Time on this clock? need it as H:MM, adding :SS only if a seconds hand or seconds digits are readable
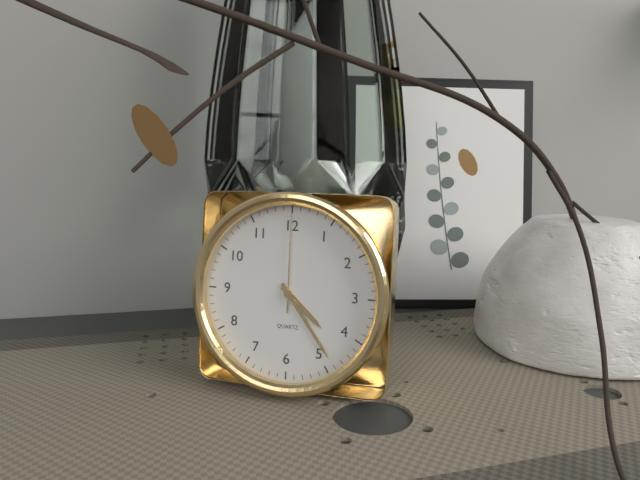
4:24:00
